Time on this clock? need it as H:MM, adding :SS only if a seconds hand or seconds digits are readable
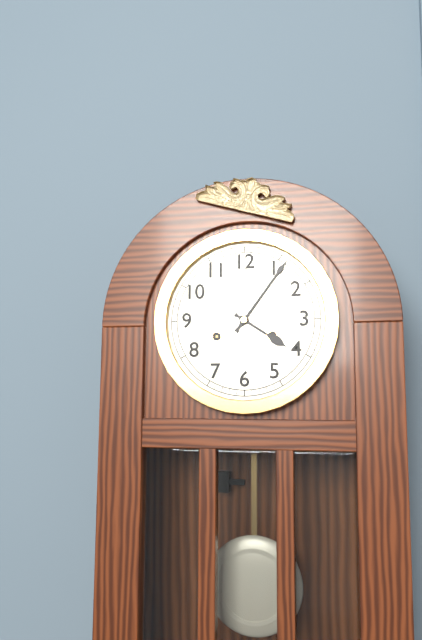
4:06
